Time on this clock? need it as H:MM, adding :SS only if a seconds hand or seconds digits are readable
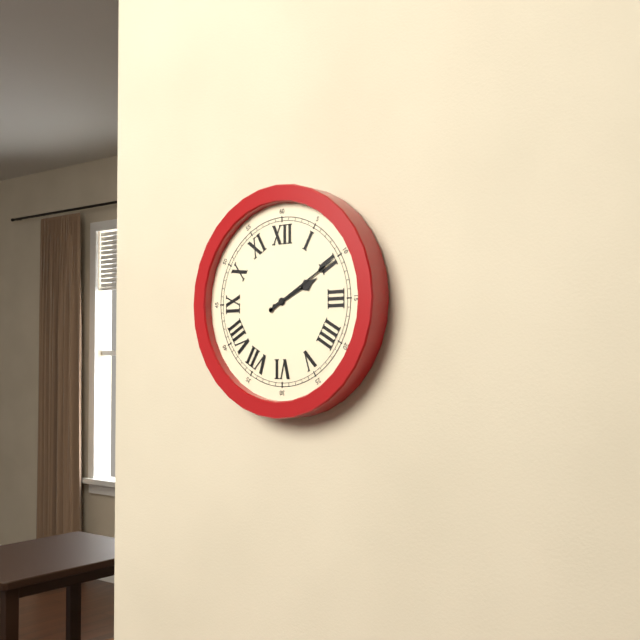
2:10
